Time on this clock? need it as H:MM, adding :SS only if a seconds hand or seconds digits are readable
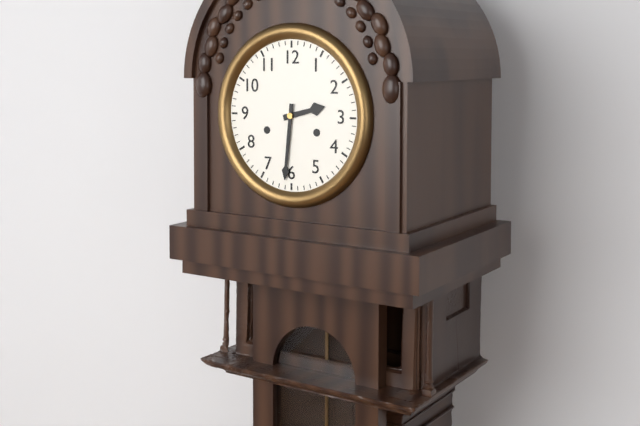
2:31
